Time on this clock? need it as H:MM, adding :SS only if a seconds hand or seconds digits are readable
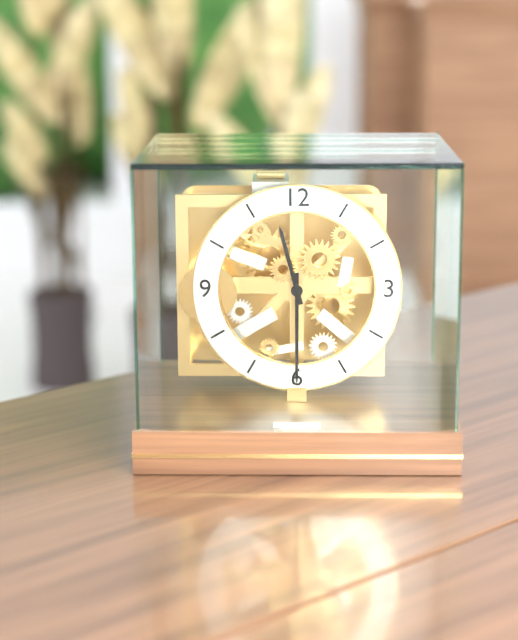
11:30
